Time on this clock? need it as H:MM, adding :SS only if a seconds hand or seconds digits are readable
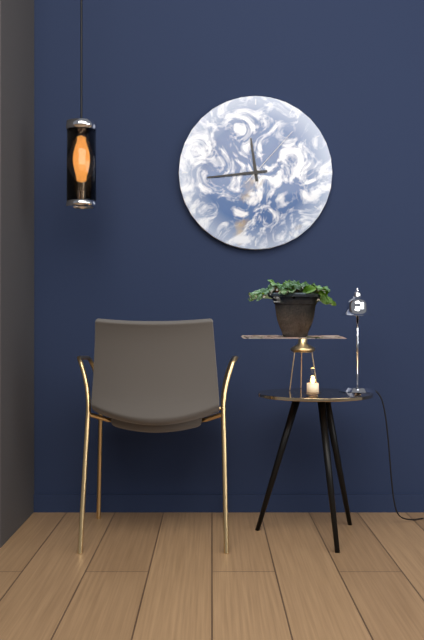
11:44:07
